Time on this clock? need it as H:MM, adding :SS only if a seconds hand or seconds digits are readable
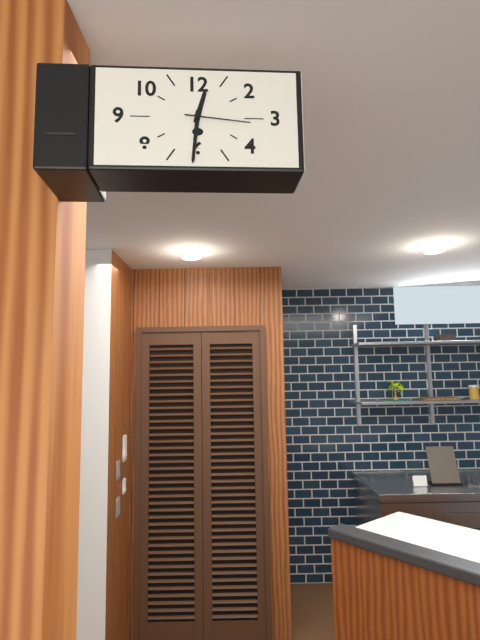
12:31:16
